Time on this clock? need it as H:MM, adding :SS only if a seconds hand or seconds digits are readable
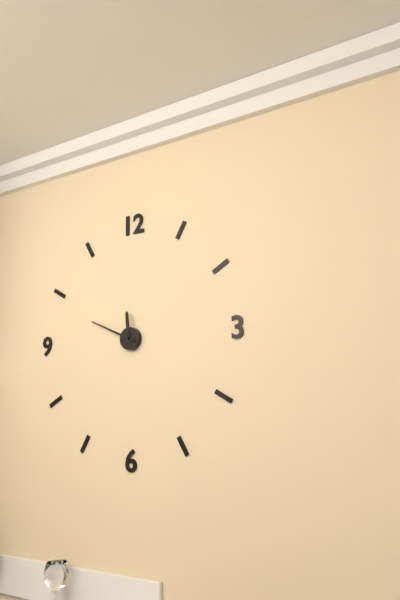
11:49
